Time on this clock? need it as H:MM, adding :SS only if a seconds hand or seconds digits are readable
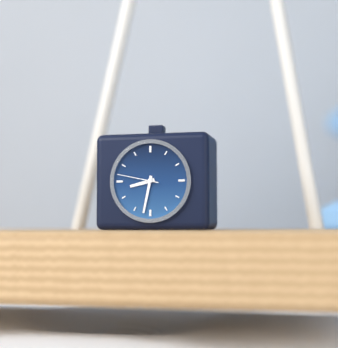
8:32
